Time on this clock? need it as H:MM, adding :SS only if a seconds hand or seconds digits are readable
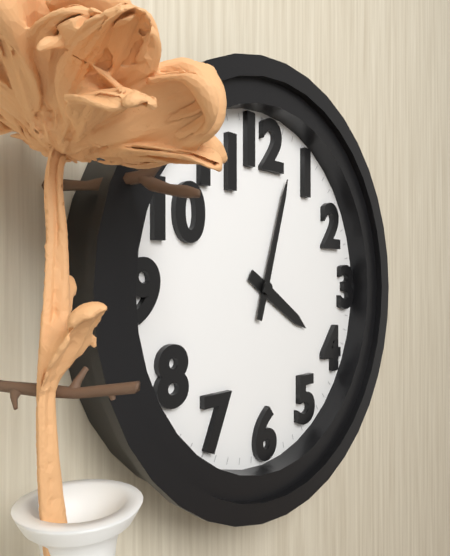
4:03
